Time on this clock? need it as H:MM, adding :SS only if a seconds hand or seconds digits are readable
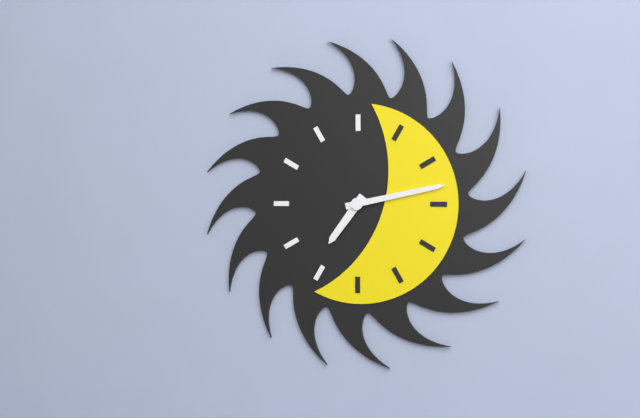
7:13
